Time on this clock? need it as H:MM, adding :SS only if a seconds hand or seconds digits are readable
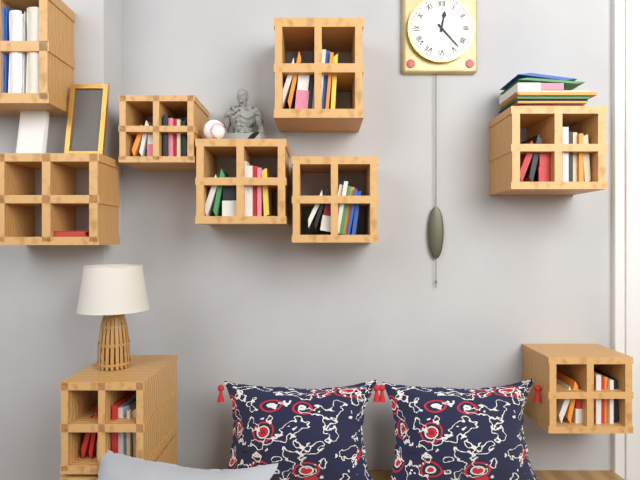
12:23
